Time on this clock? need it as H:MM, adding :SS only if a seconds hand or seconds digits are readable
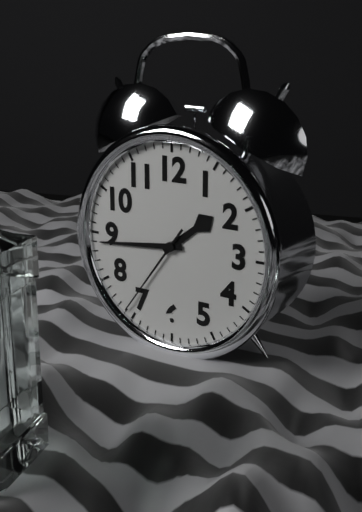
1:44:36
